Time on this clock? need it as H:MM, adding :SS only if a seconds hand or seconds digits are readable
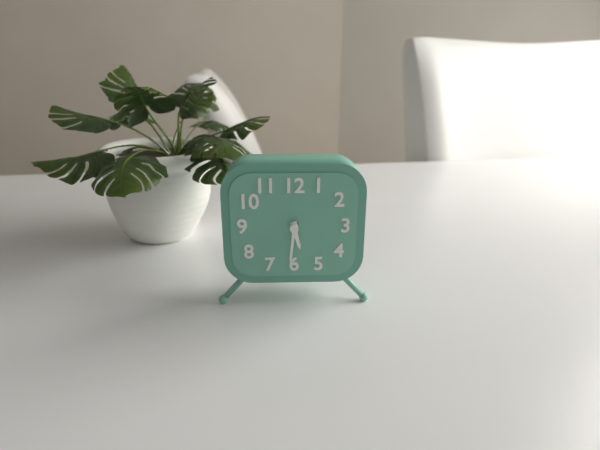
5:31
